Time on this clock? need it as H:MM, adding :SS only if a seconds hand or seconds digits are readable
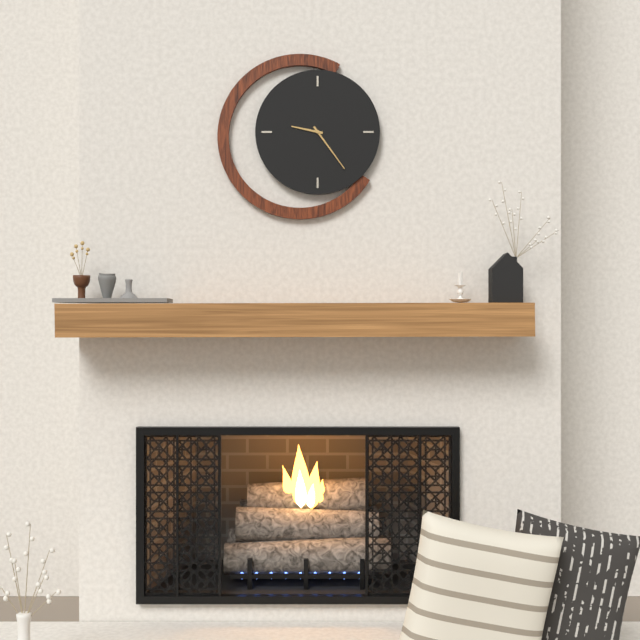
9:24
